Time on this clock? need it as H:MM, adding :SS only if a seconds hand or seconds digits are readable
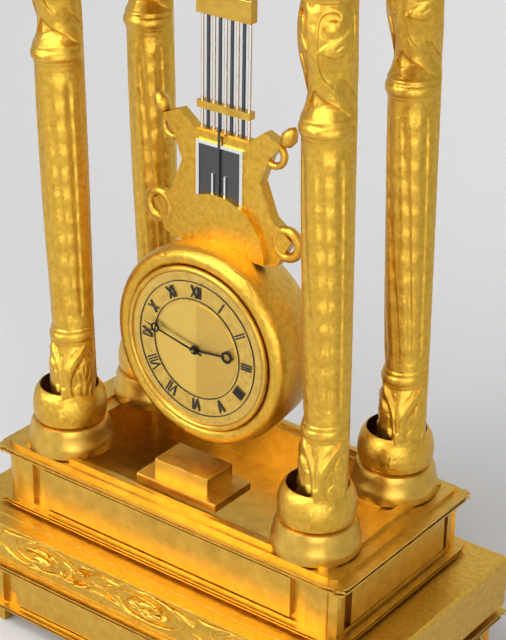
2:47
